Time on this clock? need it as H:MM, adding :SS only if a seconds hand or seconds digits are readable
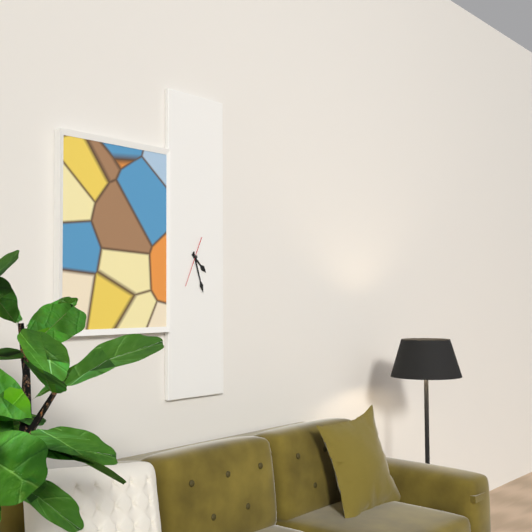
4:27
